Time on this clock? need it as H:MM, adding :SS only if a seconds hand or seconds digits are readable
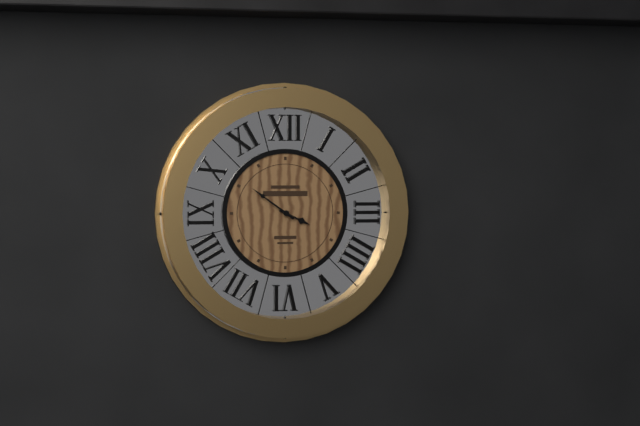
3:51
